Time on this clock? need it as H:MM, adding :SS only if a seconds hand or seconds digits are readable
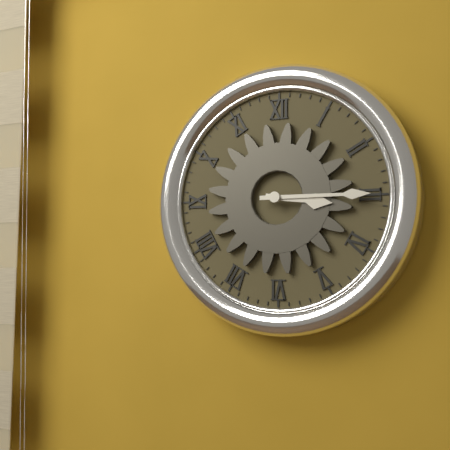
3:15
